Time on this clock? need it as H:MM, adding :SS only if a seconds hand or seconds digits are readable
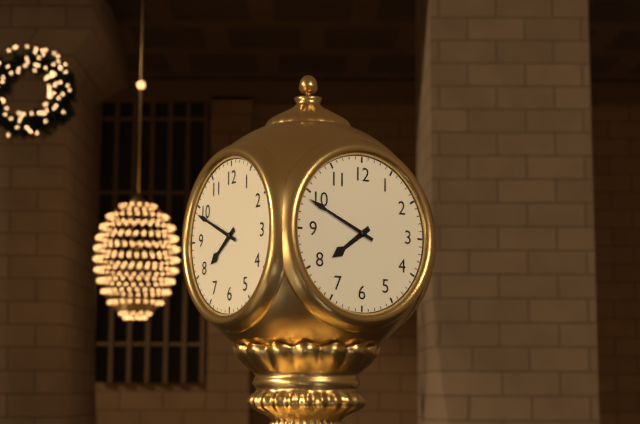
7:49
